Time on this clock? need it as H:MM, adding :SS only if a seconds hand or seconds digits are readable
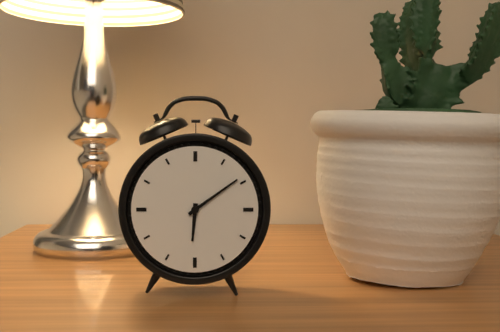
6:09
